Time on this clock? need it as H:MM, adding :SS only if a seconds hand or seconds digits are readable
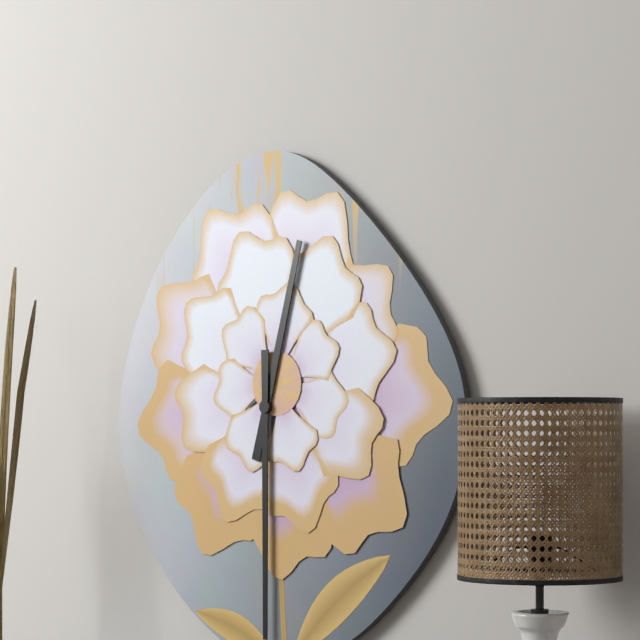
12:30
